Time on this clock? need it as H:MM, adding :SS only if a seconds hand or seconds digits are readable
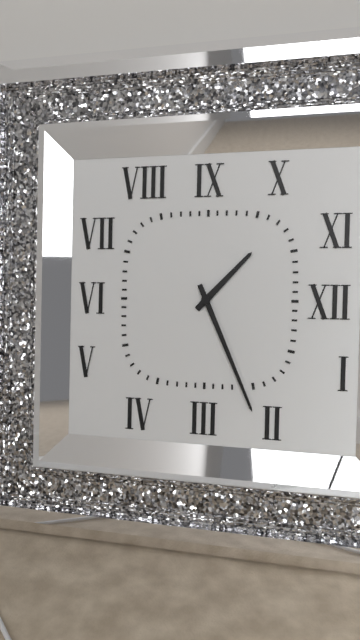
1:26
